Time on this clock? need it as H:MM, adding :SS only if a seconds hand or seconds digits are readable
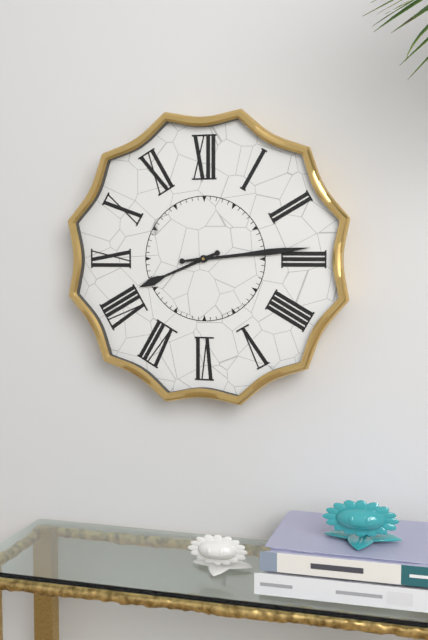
8:14
